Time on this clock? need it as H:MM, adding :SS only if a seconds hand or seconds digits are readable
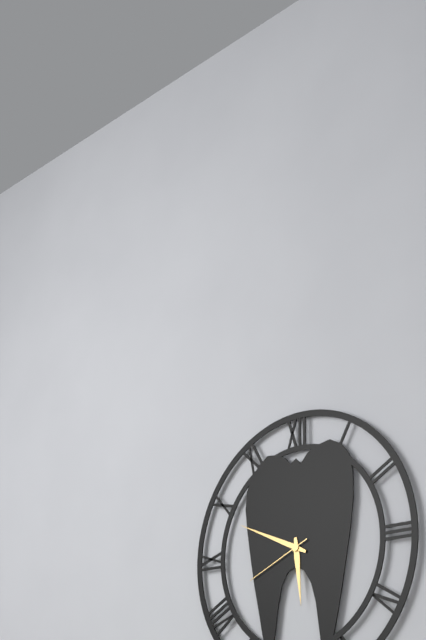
5:49:41
